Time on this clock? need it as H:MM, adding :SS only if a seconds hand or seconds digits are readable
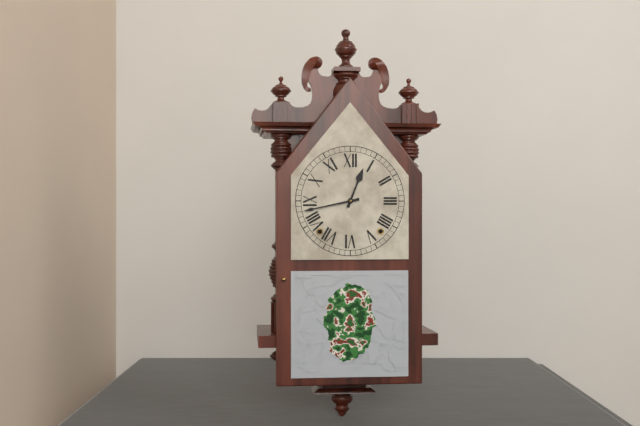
12:43
